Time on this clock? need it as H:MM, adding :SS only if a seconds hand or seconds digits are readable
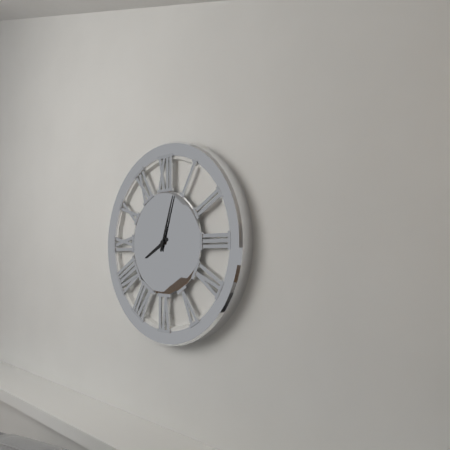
8:03
